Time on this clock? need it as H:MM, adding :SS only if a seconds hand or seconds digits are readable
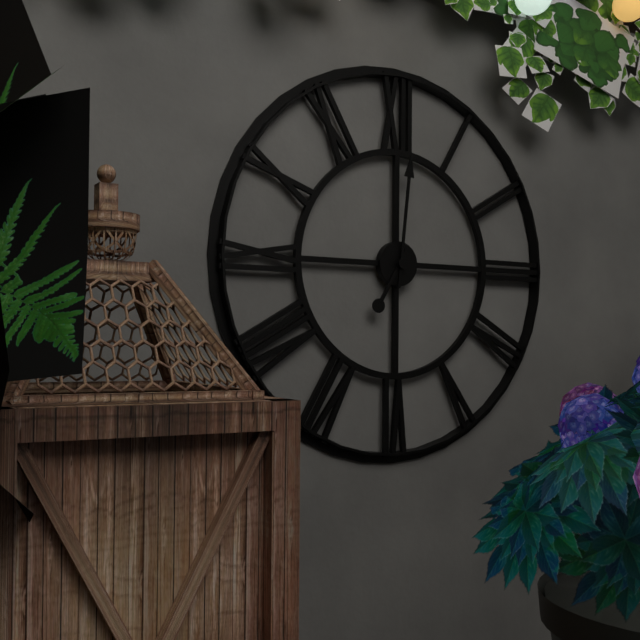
7:01
